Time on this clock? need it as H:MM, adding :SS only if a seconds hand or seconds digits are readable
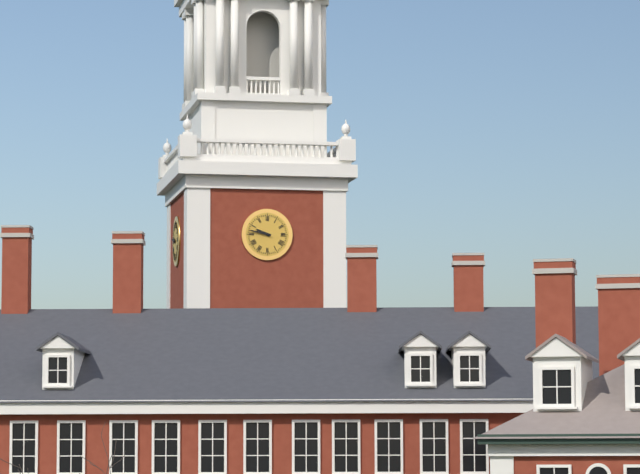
9:47
